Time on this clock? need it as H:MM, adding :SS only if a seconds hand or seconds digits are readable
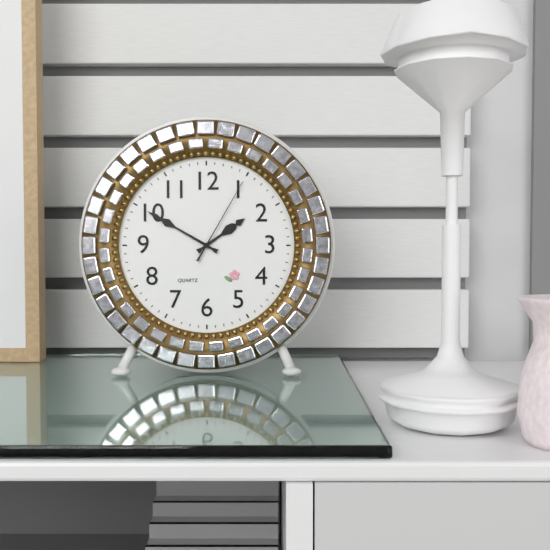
1:50:05
